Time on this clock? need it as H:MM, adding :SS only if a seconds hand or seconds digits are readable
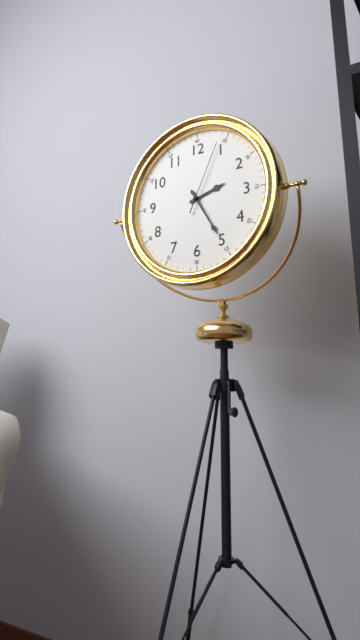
2:25:04
